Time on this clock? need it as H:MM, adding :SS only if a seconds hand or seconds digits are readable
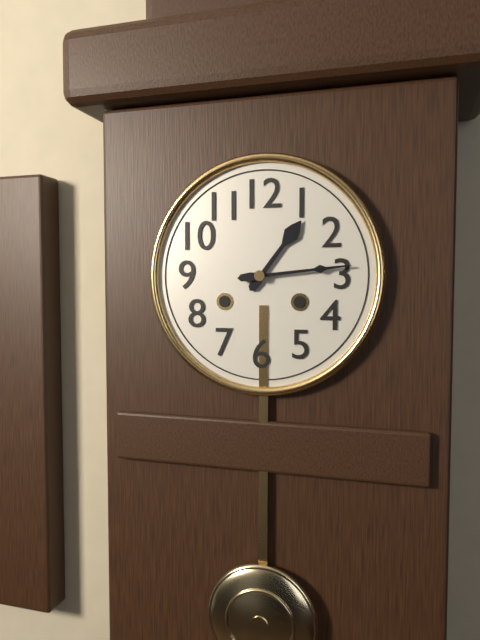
1:14
